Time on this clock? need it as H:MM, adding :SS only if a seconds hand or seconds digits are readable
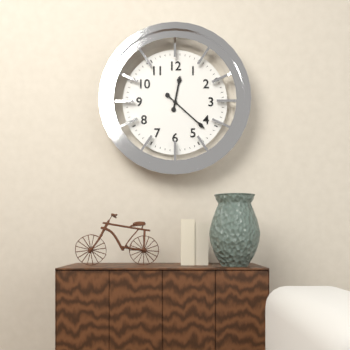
12:22
